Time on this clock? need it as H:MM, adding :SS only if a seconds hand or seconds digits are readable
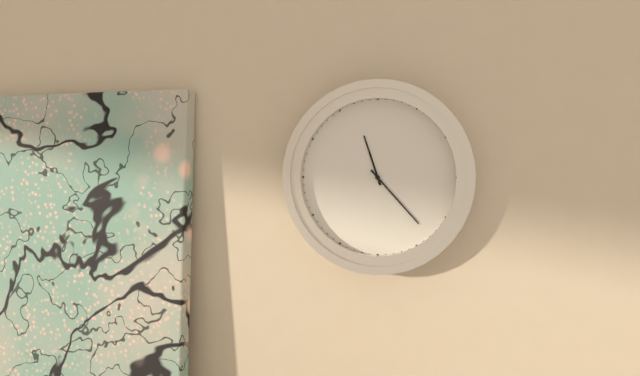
11:23
